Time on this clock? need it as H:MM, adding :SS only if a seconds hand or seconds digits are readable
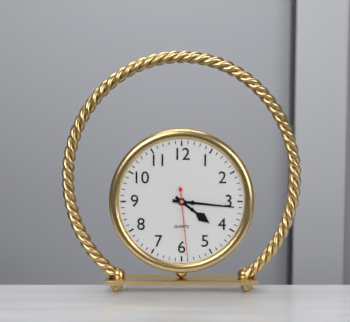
4:16:29
